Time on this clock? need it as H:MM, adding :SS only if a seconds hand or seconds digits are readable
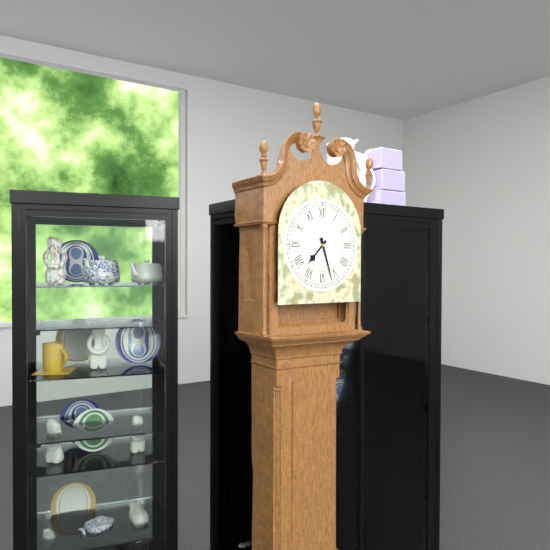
7:27
